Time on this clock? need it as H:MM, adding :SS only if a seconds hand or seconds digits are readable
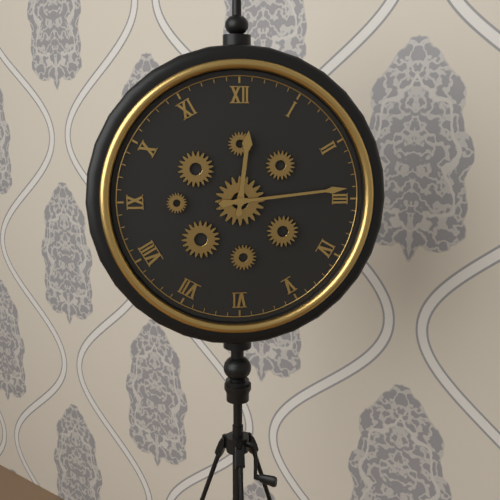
12:14
